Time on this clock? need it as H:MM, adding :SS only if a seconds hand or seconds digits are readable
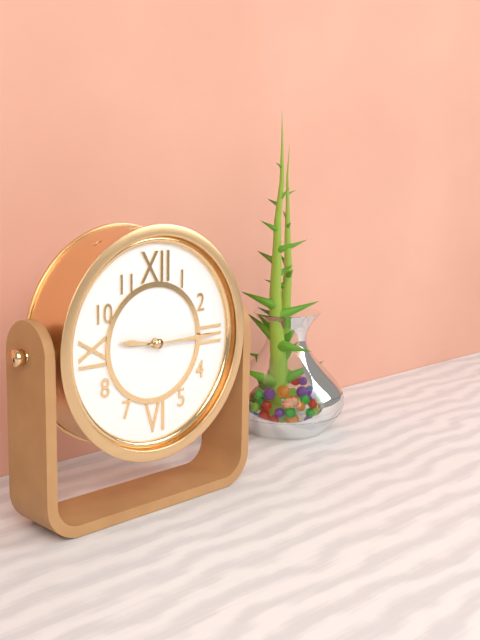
9:15
